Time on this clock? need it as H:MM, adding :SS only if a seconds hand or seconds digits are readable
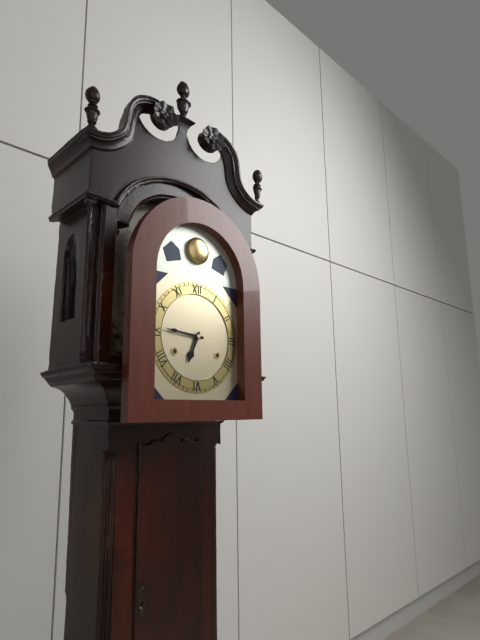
6:46
